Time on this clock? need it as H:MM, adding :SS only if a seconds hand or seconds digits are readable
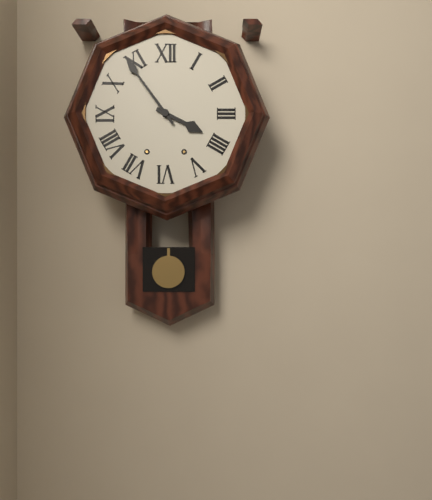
3:54
